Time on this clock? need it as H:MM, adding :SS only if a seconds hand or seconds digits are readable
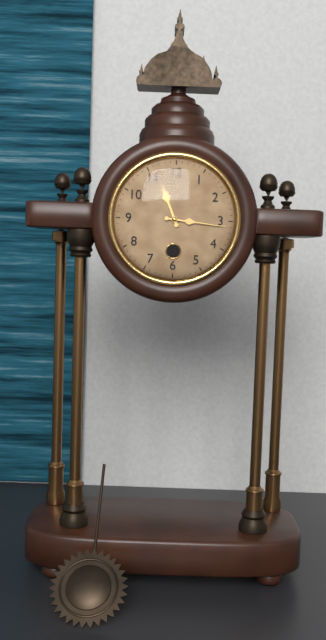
11:16
